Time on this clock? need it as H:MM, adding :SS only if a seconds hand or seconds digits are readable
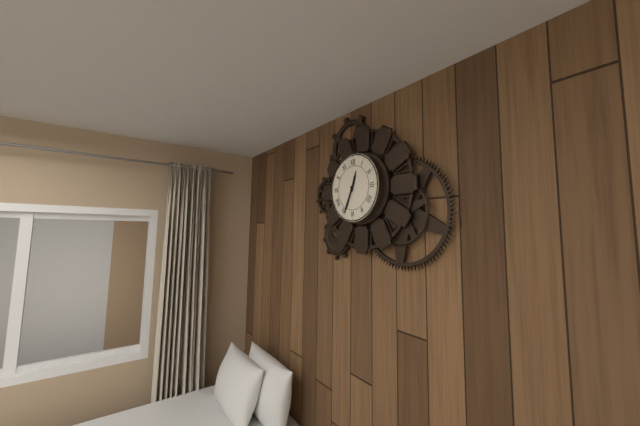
12:34
